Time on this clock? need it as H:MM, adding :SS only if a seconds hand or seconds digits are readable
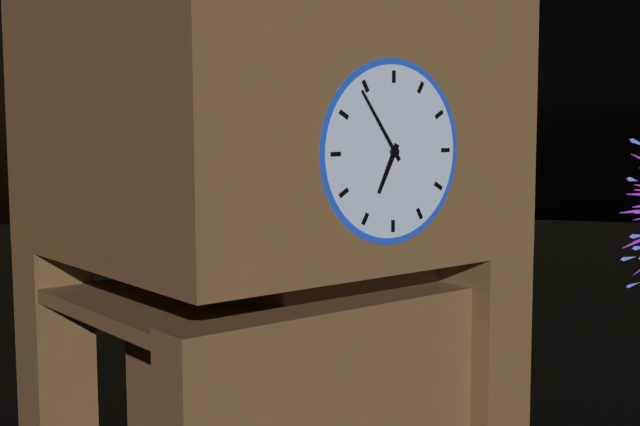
6:54
